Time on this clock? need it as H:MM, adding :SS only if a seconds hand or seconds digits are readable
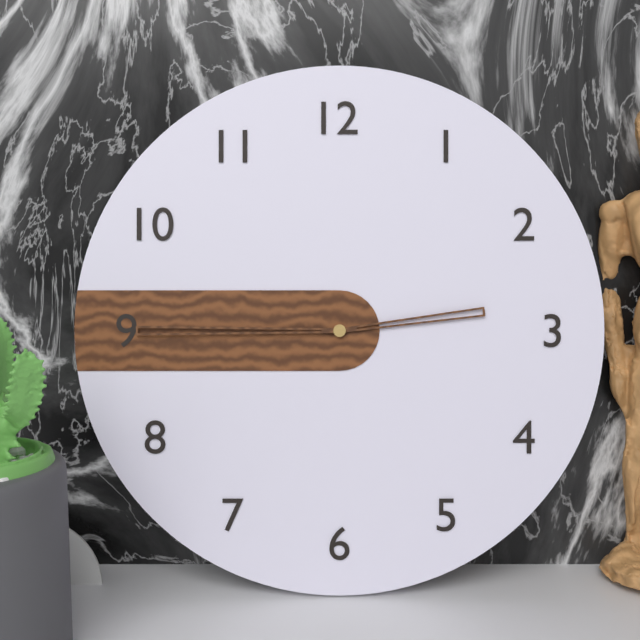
2:45
